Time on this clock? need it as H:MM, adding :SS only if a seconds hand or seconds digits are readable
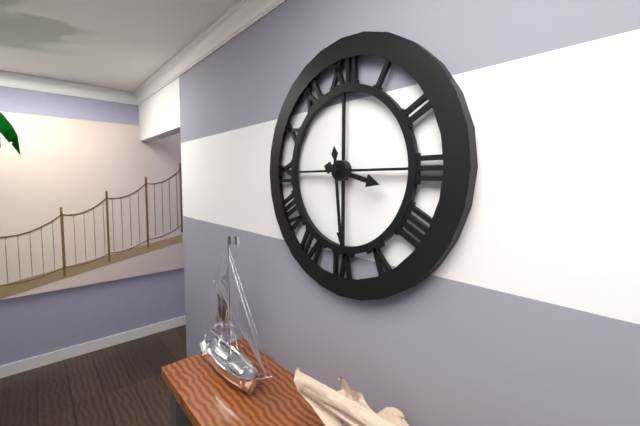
3:29
